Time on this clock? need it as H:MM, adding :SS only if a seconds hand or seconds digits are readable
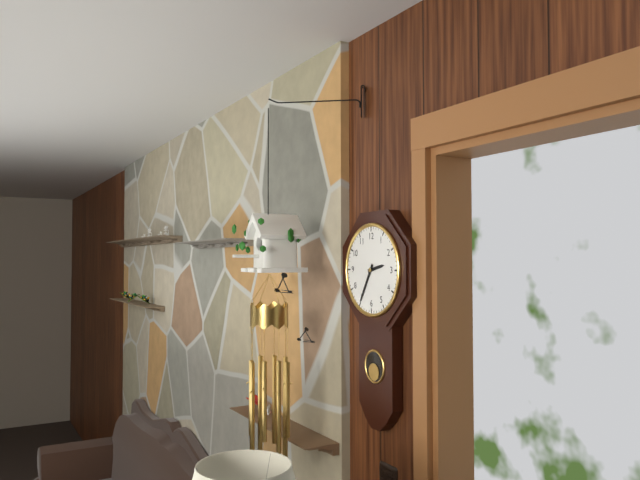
2:35
